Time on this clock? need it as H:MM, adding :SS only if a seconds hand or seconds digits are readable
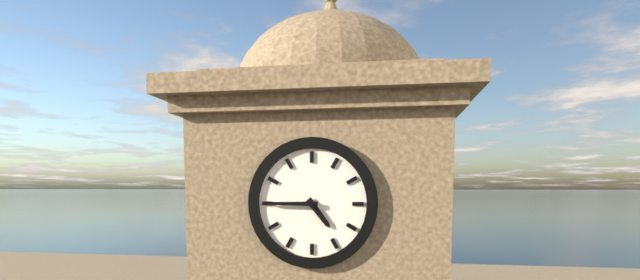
4:45
